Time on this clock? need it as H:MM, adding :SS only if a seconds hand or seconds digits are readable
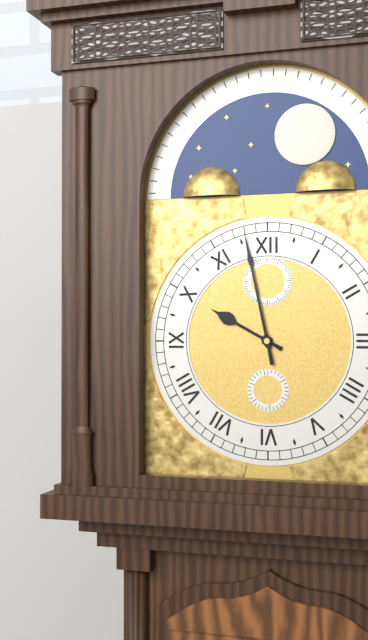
9:58
